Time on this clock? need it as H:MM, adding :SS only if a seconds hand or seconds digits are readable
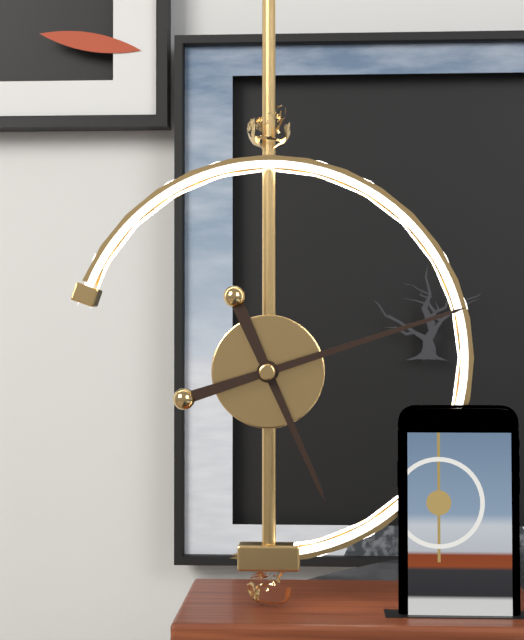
5:12
